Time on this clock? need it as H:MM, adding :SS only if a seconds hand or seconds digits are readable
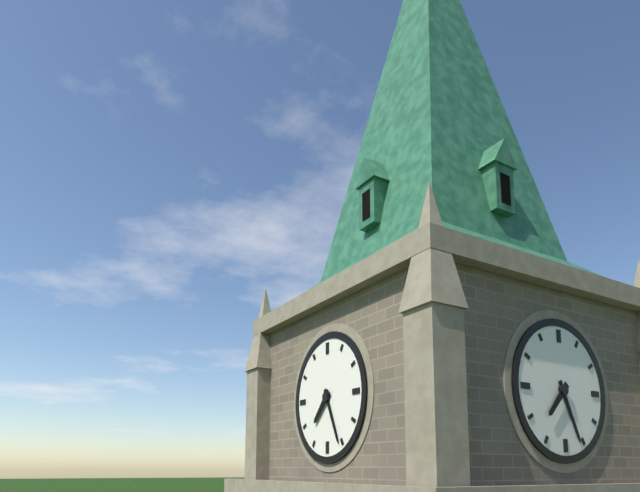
7:26
